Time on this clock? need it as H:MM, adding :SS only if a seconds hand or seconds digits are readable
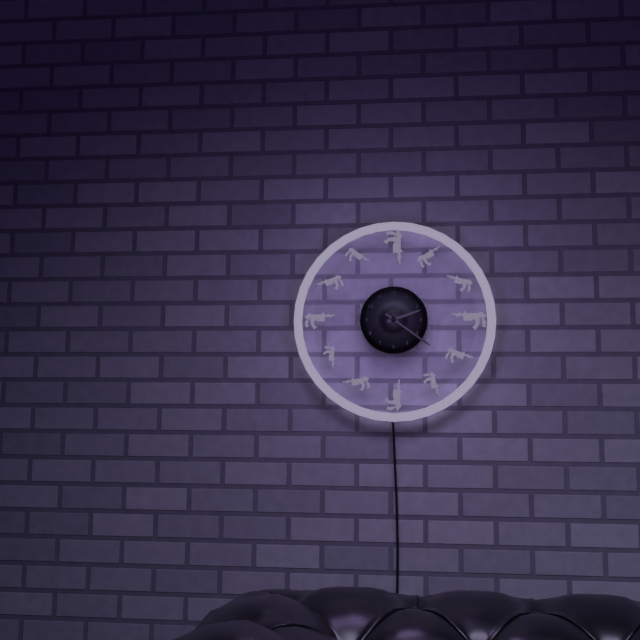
2:21
